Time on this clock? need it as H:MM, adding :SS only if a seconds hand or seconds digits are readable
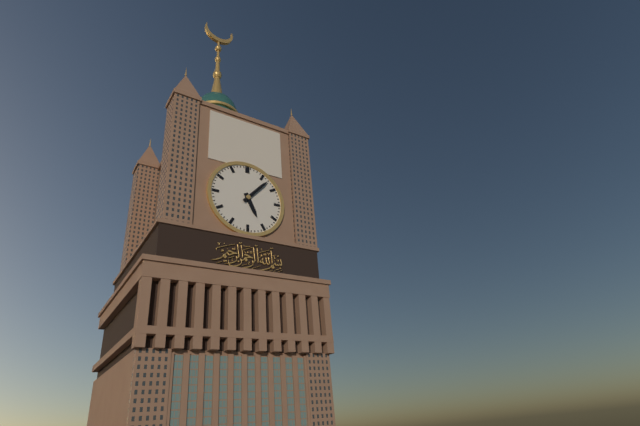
5:07
